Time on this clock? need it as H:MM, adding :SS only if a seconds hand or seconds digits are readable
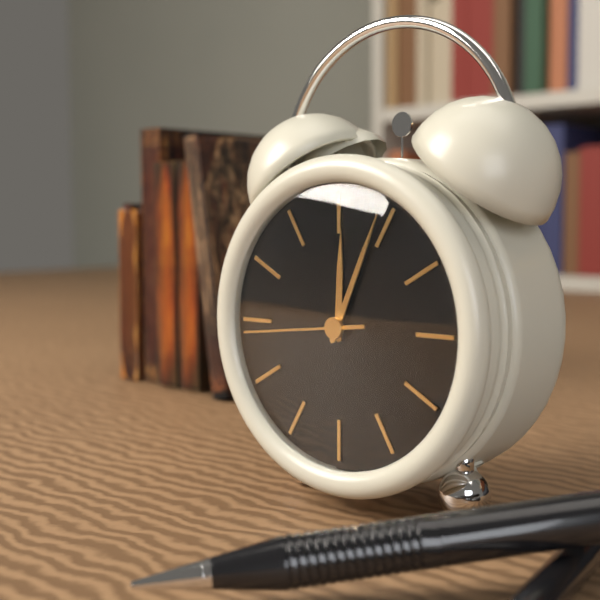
12:04:44
